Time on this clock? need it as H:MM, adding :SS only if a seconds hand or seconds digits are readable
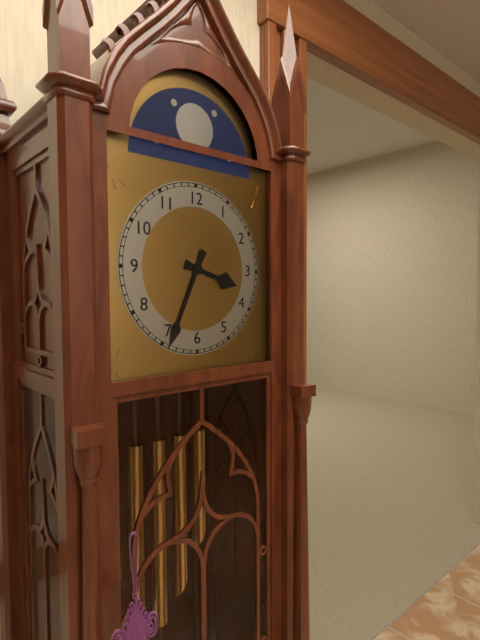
3:34
